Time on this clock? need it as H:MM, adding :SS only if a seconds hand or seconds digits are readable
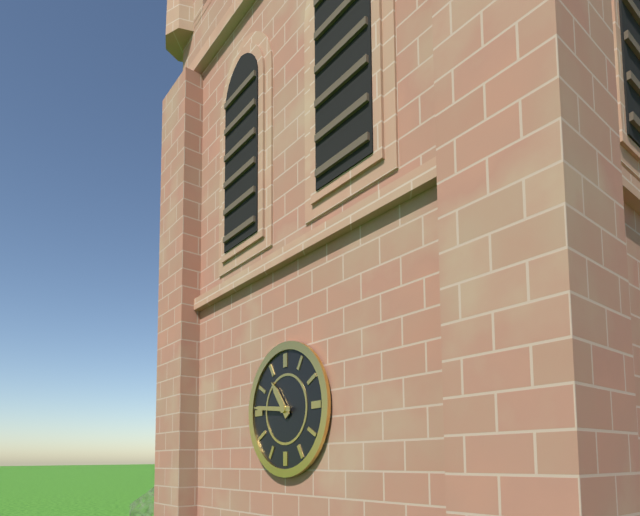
10:46
